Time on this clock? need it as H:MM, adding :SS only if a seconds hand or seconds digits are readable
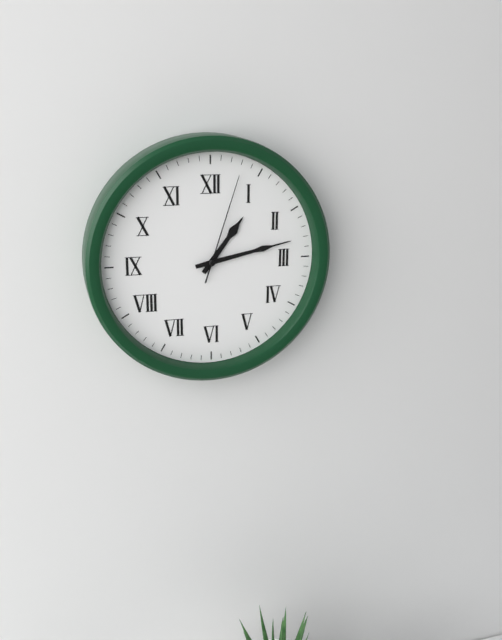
1:13:03
